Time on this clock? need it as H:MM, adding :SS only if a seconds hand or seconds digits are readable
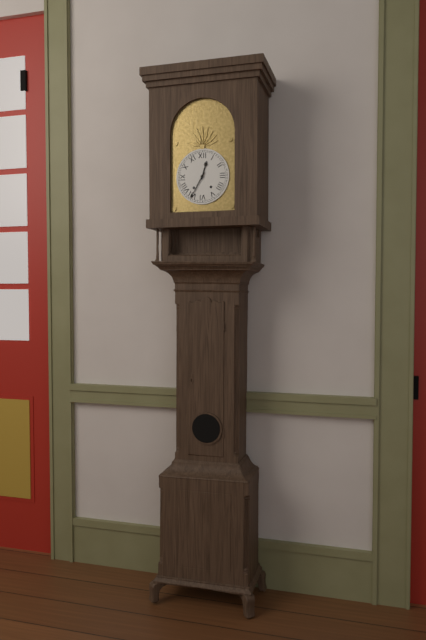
12:35
